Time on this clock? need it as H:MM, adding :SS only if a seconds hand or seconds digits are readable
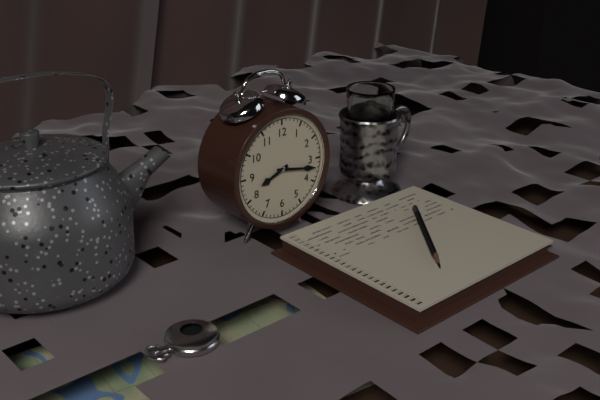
8:17
